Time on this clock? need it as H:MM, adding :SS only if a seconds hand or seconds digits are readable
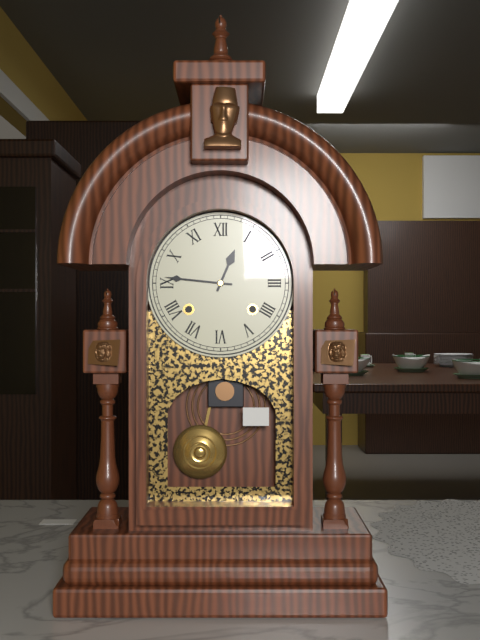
12:46
